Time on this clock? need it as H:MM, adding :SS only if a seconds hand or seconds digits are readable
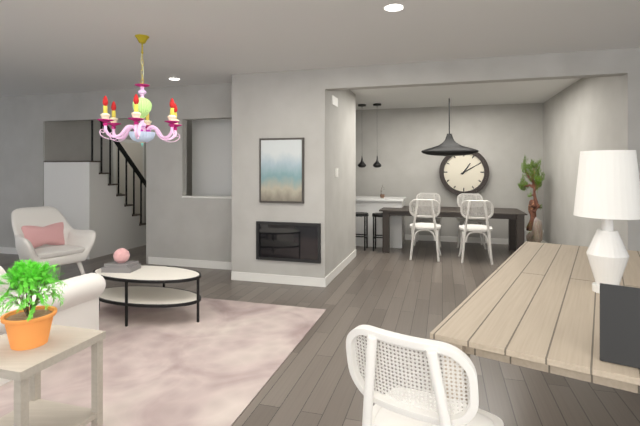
1:10
